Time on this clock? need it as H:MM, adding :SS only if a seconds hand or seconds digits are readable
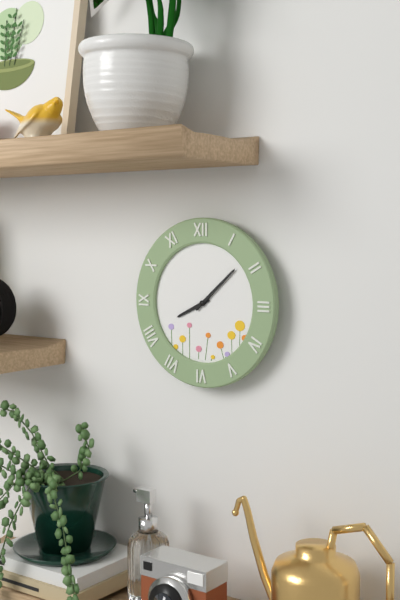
8:08
